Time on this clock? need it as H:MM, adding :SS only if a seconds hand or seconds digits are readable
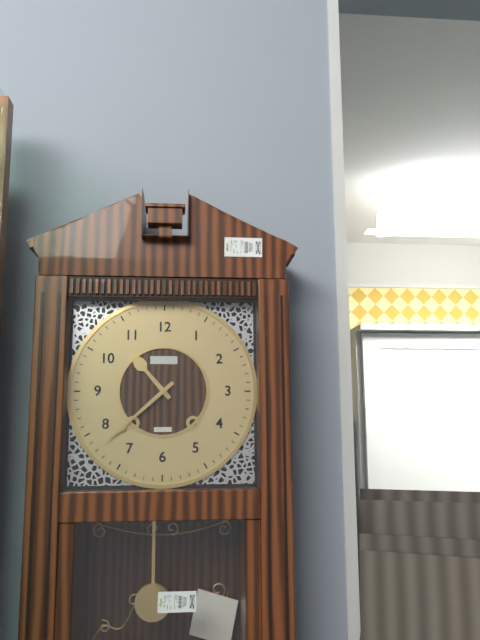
10:38
